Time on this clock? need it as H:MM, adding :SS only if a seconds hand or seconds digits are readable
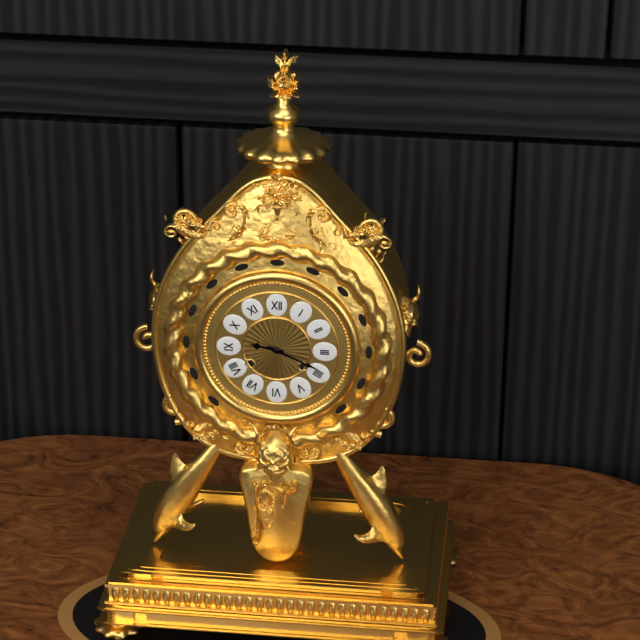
9:19
